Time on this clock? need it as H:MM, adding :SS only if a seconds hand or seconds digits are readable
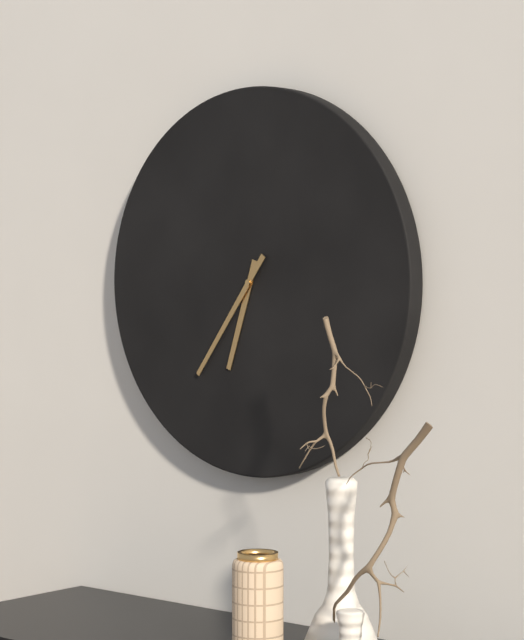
6:36
